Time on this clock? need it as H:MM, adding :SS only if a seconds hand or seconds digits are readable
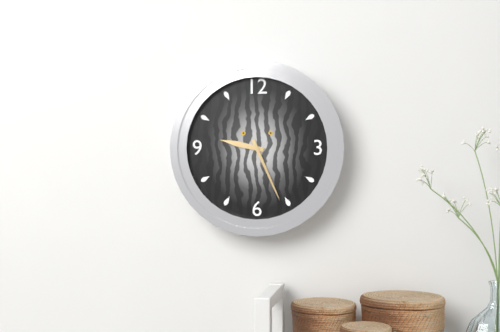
9:26
